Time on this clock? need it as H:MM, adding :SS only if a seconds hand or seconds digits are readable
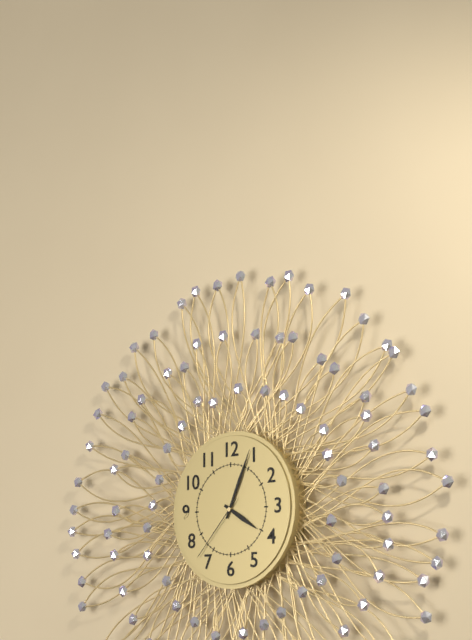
4:04:37
